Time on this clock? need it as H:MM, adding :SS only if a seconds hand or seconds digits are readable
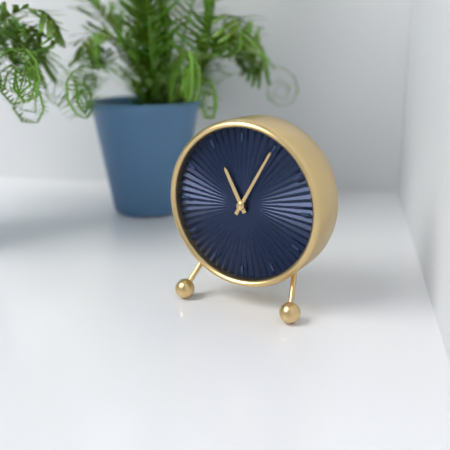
11:05
